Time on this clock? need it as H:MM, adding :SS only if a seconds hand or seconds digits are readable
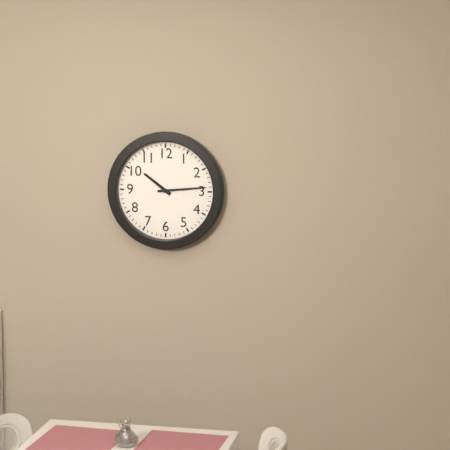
10:14
